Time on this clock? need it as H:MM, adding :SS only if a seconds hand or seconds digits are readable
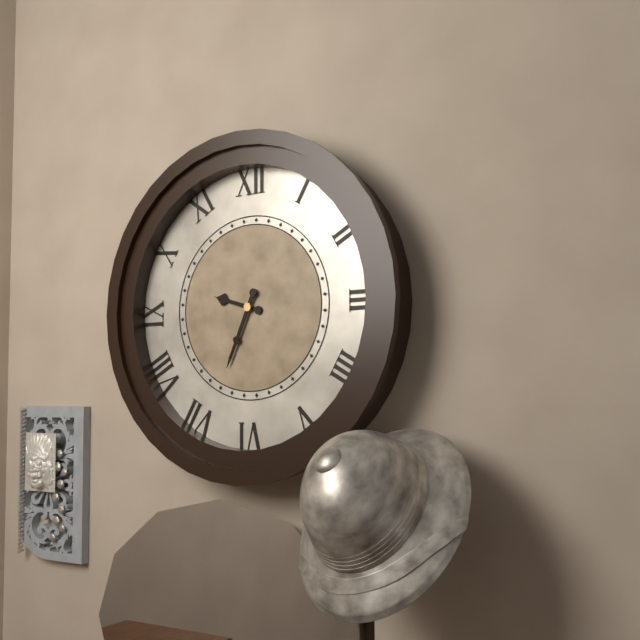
9:34
